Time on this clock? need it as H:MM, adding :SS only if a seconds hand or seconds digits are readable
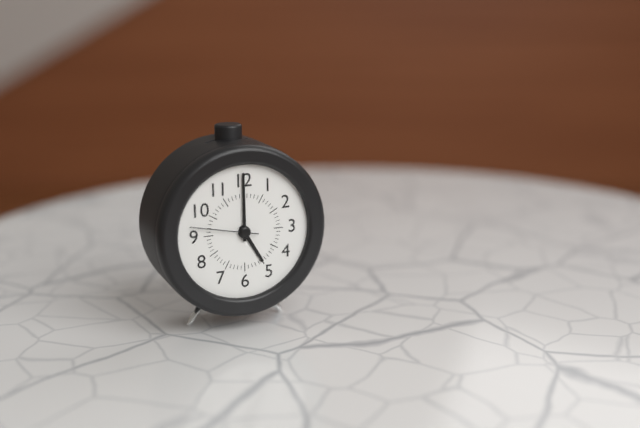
5:00:47
